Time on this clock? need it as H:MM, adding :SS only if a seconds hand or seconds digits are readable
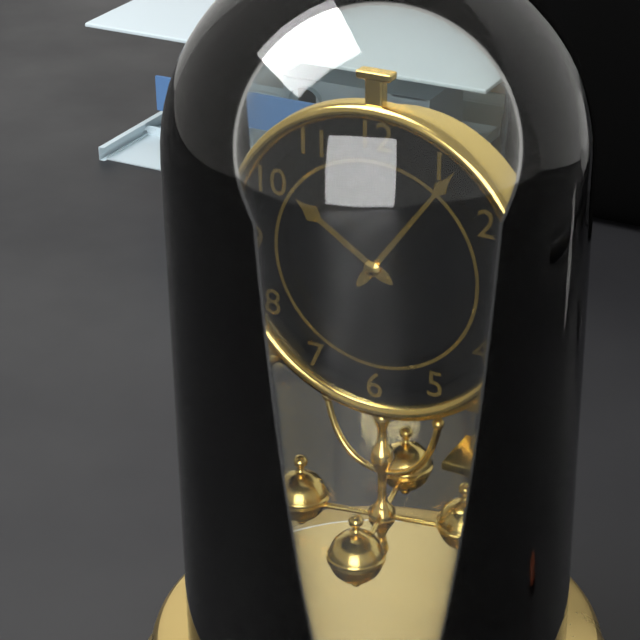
10:06
